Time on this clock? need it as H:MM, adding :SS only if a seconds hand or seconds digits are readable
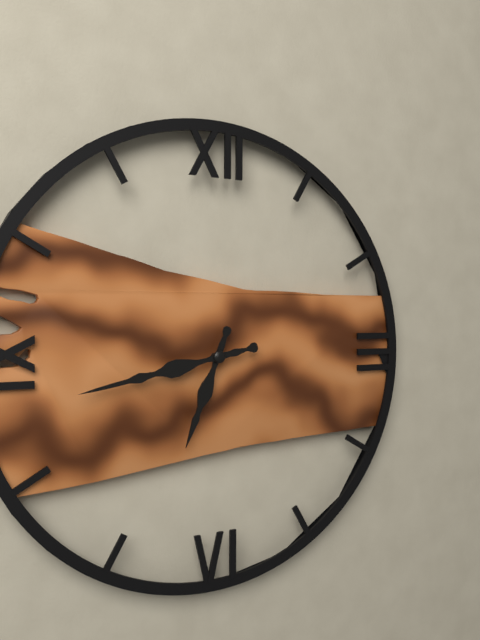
6:43
